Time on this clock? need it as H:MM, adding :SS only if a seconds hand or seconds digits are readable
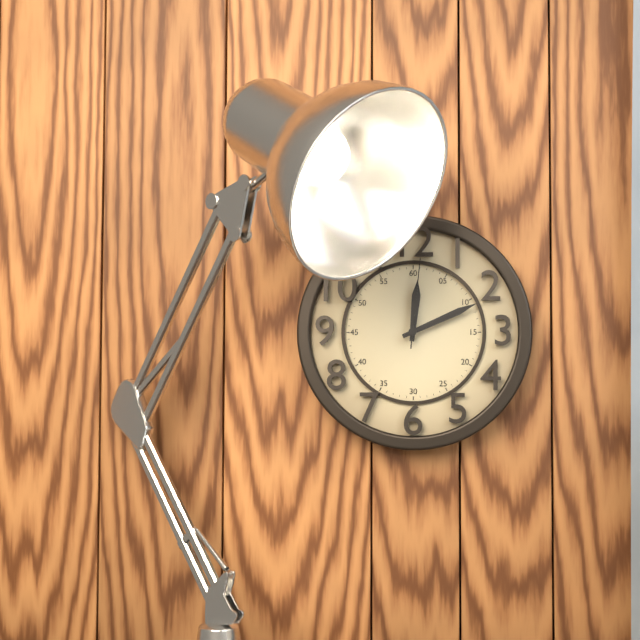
12:11:01
